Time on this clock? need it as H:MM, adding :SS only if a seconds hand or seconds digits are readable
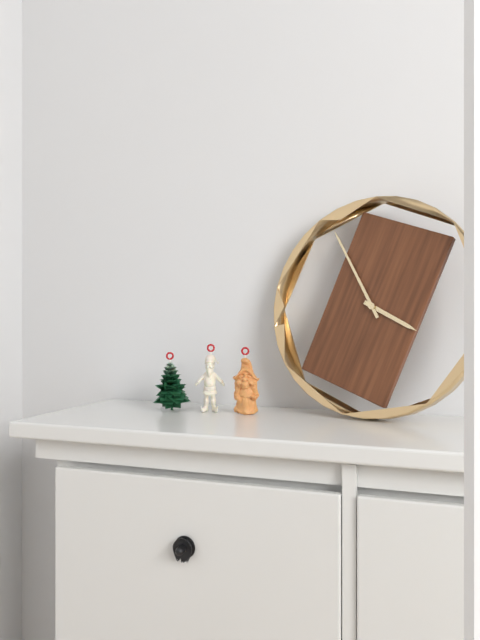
3:55
